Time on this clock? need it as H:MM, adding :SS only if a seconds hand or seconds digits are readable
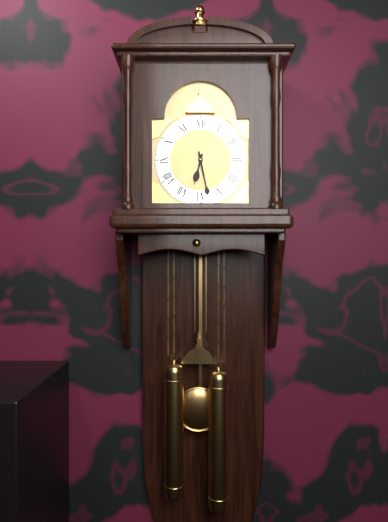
6:28
